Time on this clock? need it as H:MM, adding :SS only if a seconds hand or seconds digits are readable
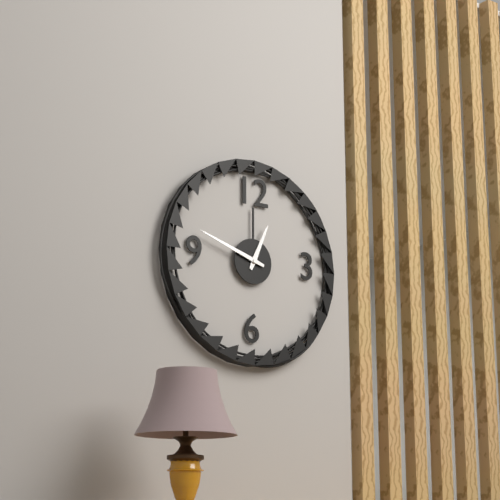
12:48
